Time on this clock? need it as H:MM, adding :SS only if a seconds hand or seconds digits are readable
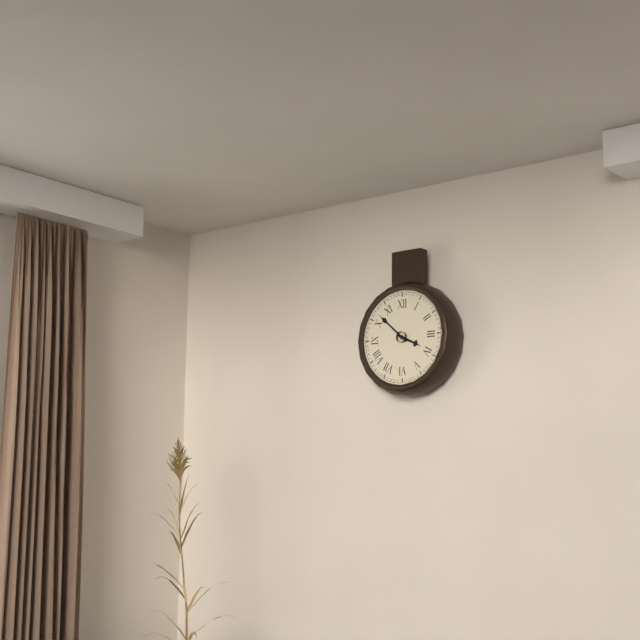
3:52
